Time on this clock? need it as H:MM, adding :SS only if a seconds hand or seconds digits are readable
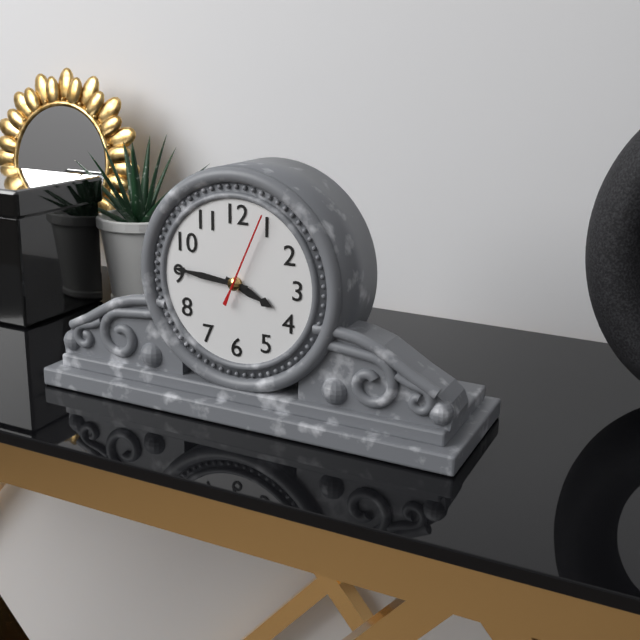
3:46:04
